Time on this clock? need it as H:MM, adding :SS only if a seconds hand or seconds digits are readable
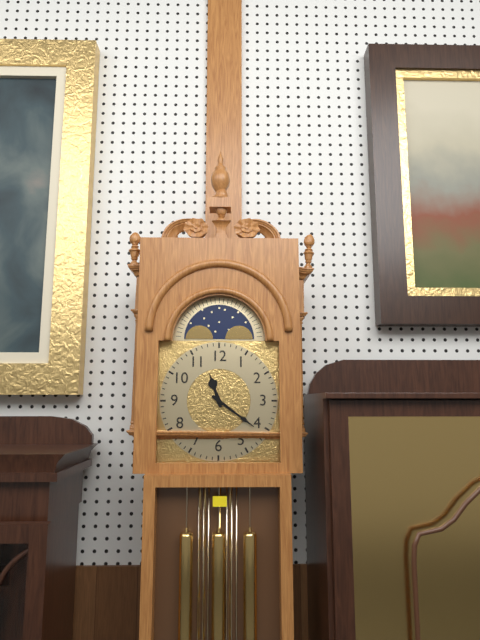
11:21
